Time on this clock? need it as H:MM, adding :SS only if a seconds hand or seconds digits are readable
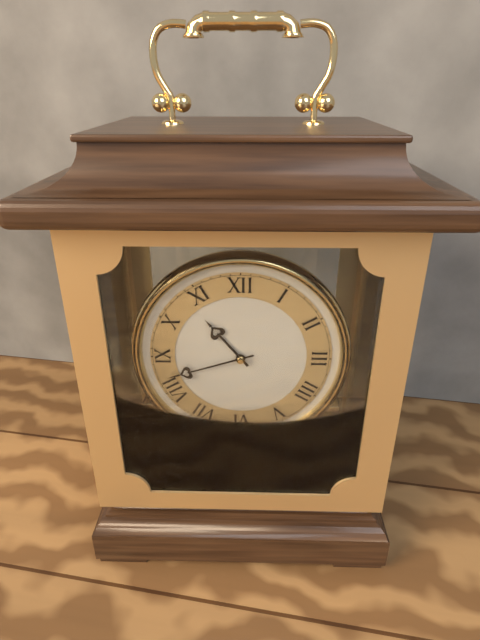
10:42
